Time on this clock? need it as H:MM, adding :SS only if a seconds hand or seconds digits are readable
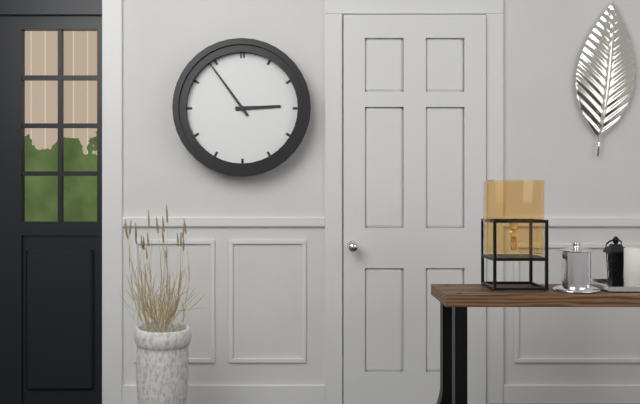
2:54
